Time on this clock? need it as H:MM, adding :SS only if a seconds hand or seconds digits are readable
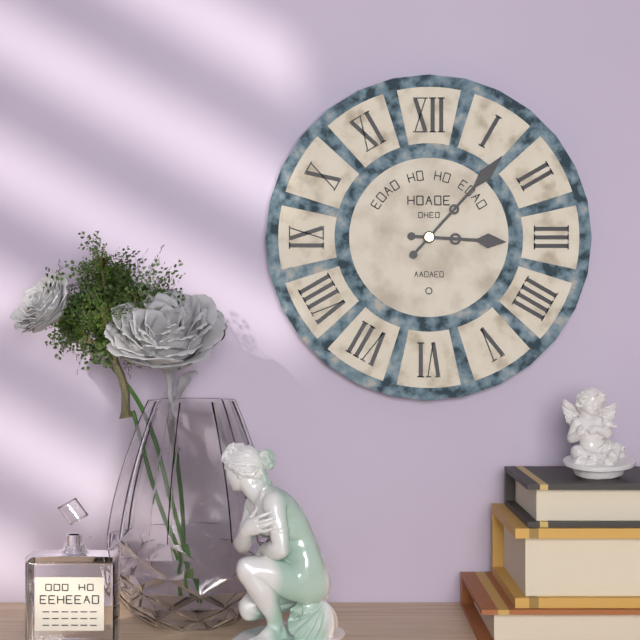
3:07
